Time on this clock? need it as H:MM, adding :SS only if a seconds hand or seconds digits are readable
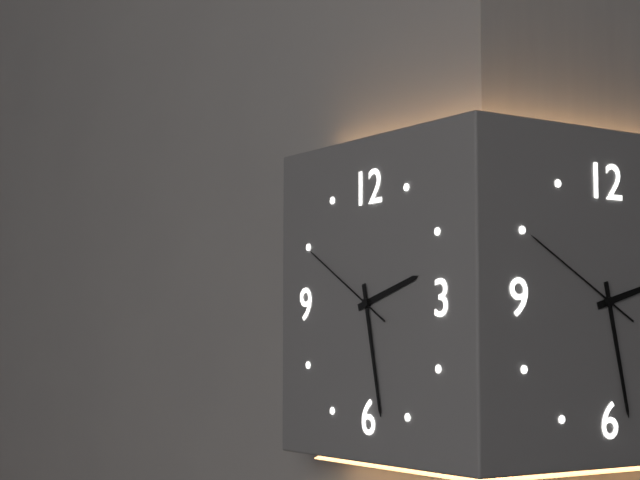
2:28:50
